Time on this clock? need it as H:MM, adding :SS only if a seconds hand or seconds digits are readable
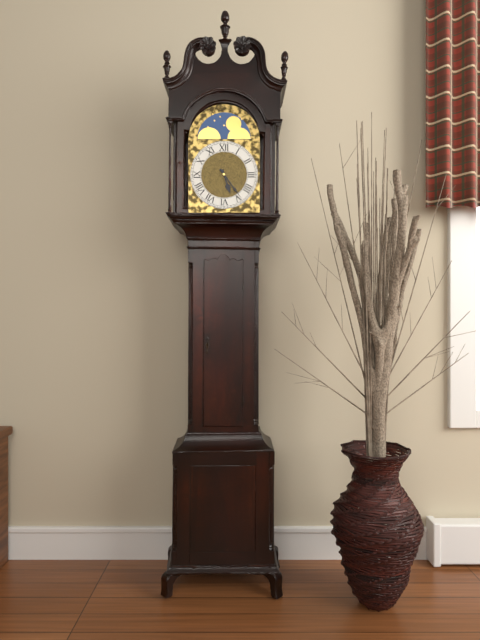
5:24
